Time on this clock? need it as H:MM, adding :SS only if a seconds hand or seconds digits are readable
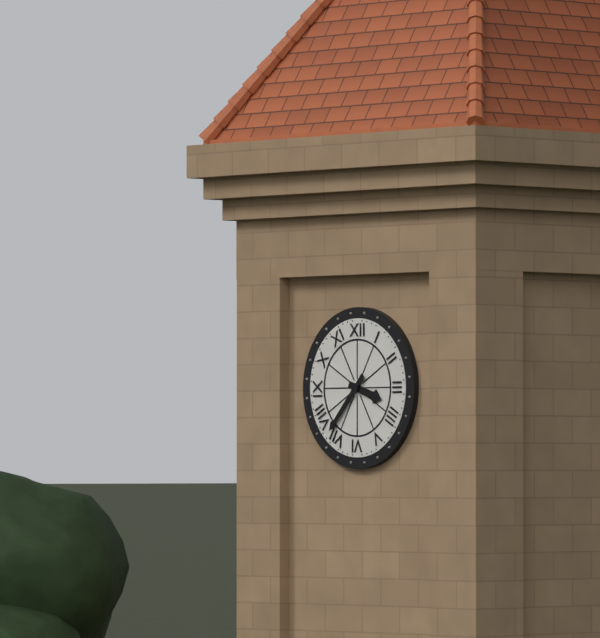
3:37
